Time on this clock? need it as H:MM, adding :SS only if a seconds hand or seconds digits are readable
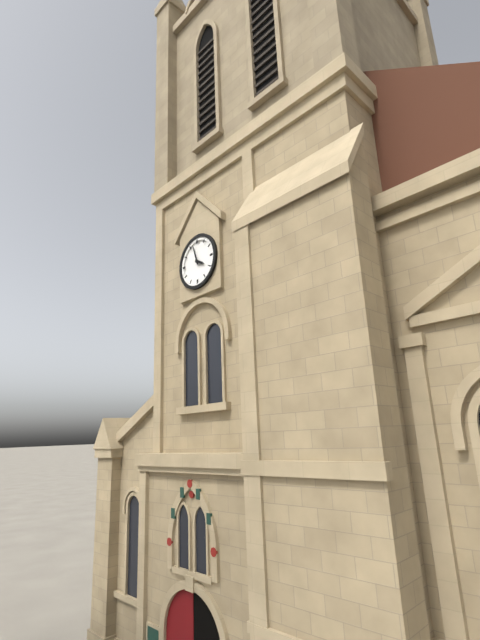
3:57
